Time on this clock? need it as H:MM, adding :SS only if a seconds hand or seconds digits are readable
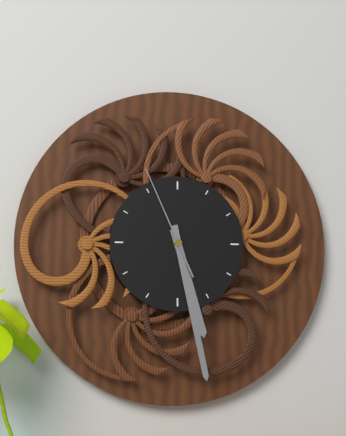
5:28:56
